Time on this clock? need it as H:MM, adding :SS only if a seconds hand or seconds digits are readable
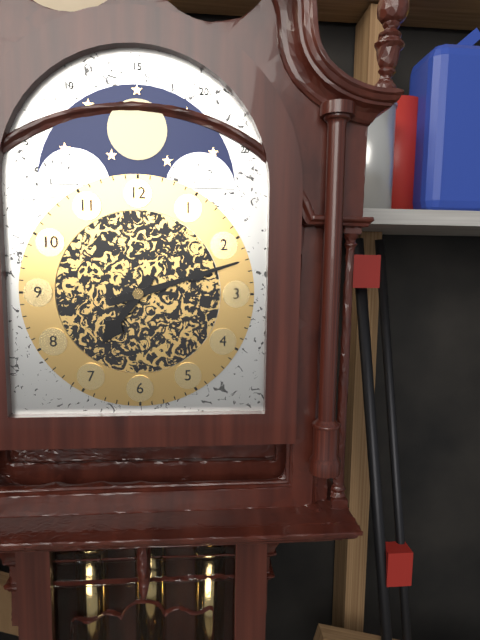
7:12
